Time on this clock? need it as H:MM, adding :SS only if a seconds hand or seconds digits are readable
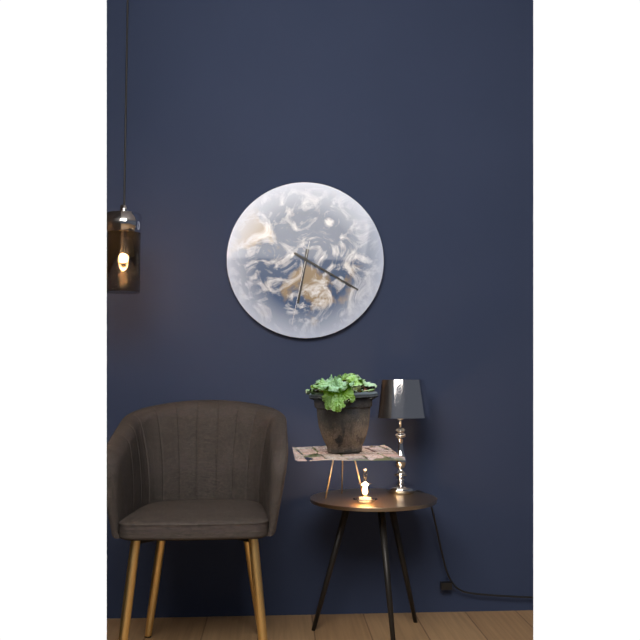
6:20:32
